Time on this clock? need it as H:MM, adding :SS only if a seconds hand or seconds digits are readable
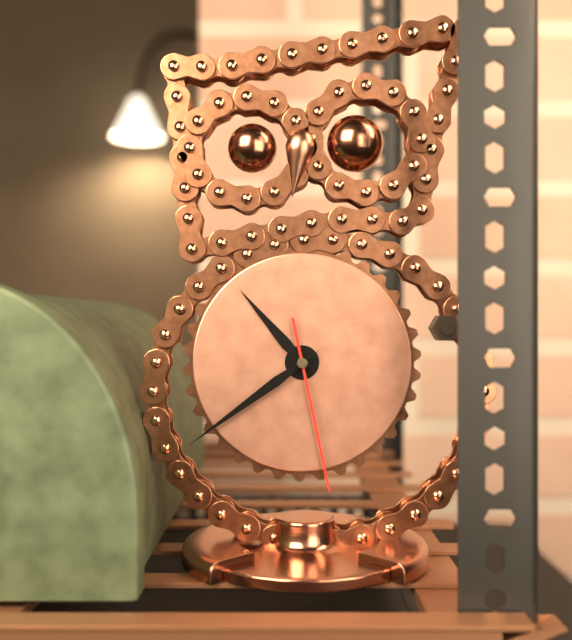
10:39:28
